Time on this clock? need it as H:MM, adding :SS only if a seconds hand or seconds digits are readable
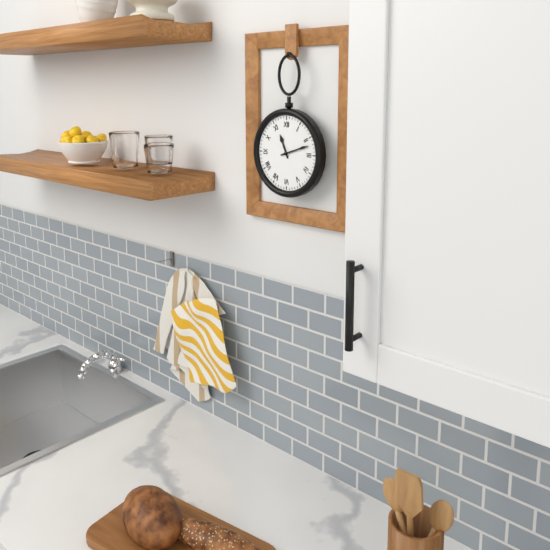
11:12
